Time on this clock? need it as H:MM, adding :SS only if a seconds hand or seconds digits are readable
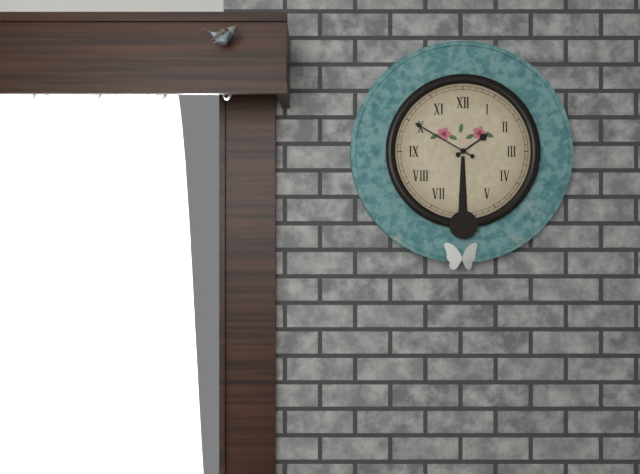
1:50
